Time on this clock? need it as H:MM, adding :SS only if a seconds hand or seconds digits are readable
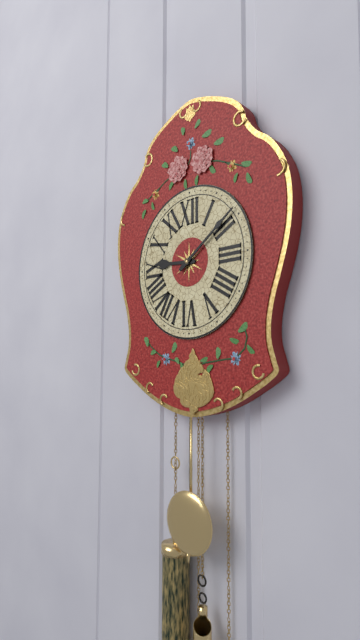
9:09
